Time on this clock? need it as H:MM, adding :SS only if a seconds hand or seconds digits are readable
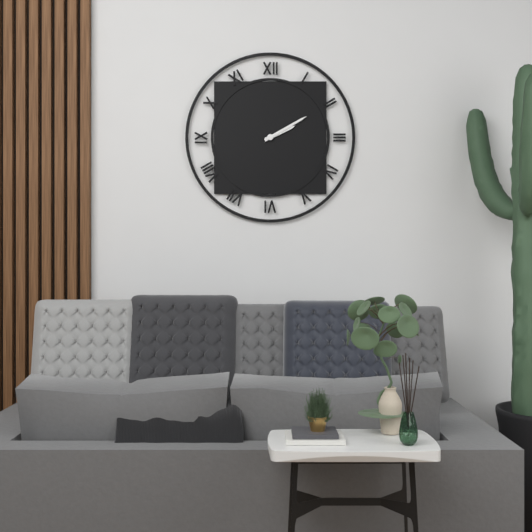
2:10
